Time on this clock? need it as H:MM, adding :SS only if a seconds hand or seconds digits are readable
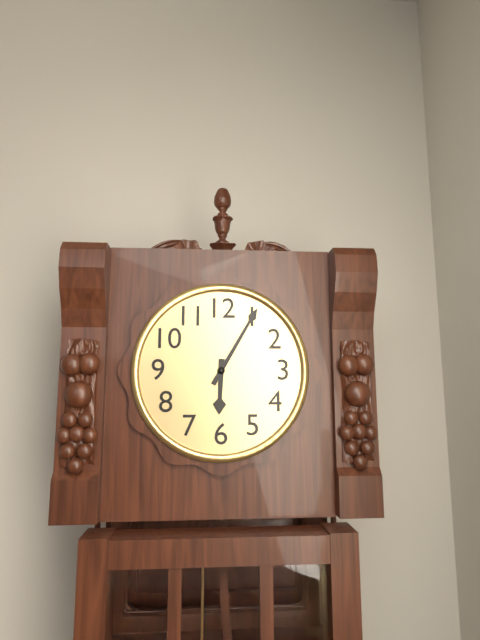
6:05
